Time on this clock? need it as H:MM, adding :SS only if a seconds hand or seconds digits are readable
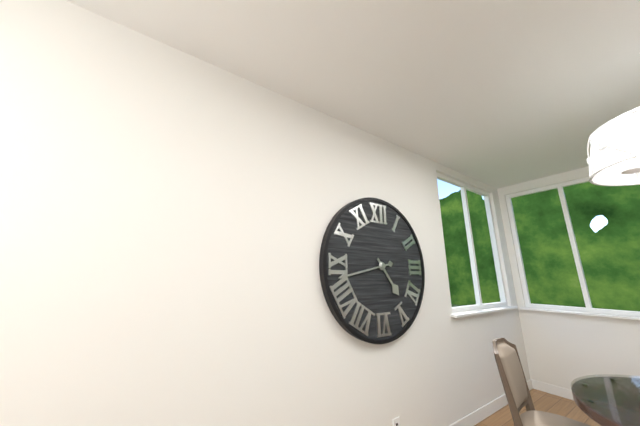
4:43
